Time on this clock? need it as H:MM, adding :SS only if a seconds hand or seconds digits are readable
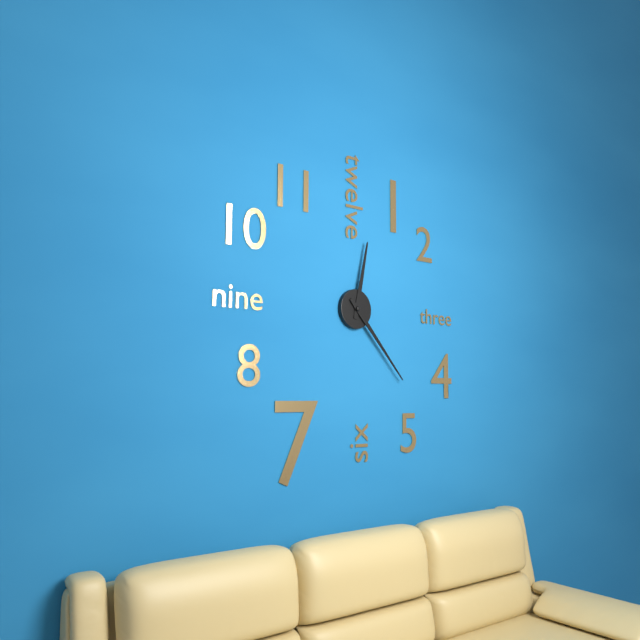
12:23
